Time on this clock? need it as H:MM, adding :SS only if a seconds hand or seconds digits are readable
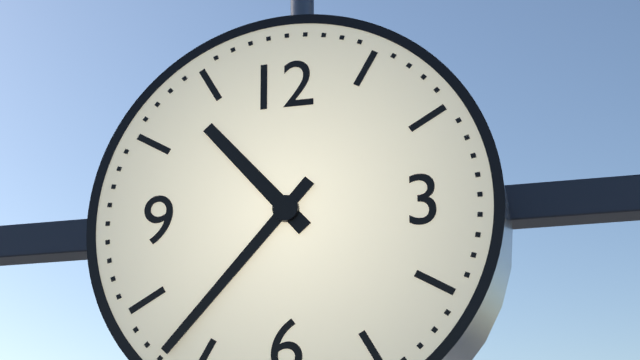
10:37
